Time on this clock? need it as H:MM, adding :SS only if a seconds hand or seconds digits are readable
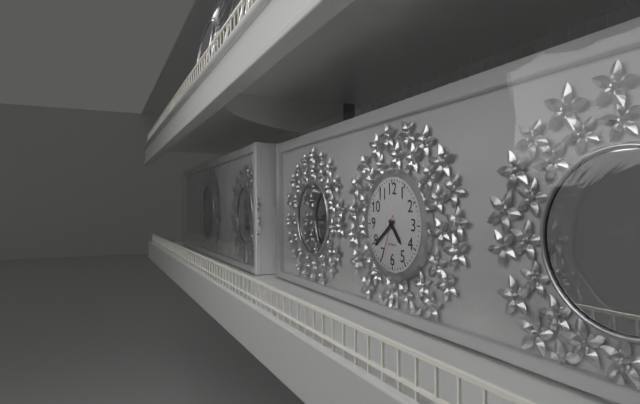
4:39
